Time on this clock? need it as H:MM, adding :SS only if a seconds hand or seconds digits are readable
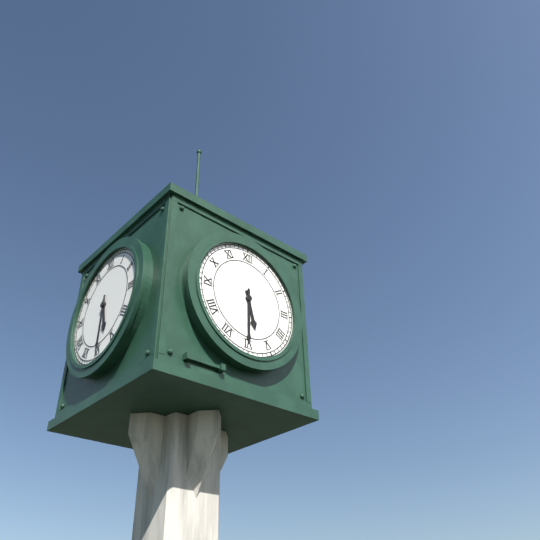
5:30
